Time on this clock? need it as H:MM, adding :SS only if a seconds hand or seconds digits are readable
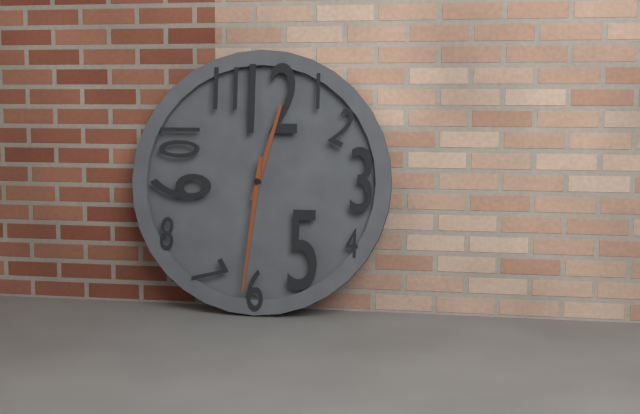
12:31
